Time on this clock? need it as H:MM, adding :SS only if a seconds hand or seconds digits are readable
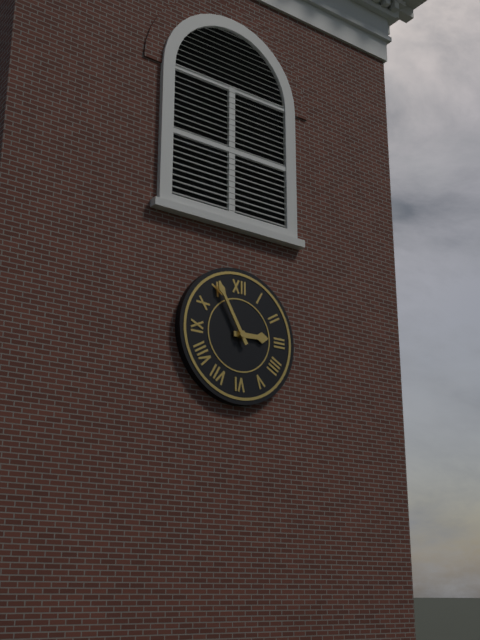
2:55
